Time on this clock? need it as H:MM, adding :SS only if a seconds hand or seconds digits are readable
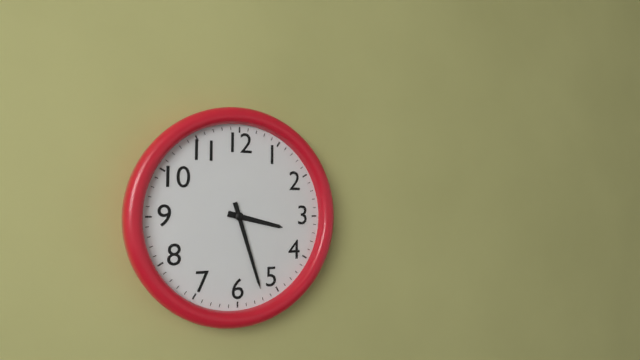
3:27
